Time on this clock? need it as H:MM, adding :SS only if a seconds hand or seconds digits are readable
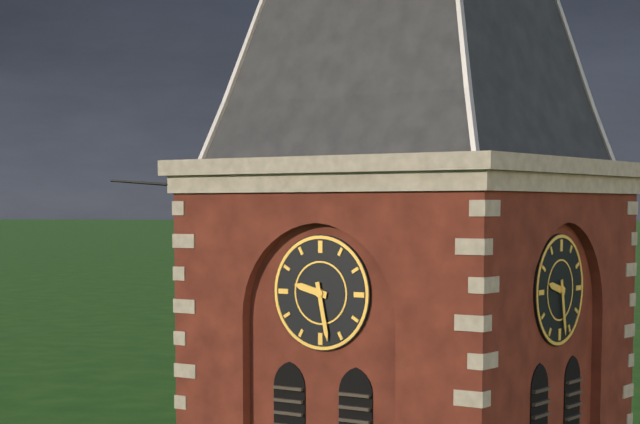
9:28
